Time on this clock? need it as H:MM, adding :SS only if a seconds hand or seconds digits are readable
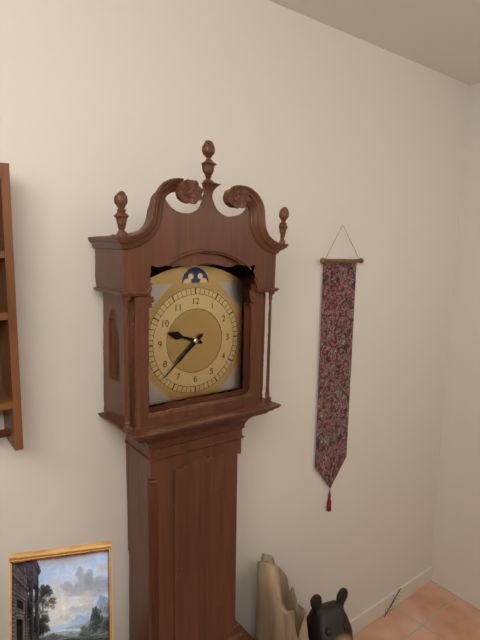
9:38
